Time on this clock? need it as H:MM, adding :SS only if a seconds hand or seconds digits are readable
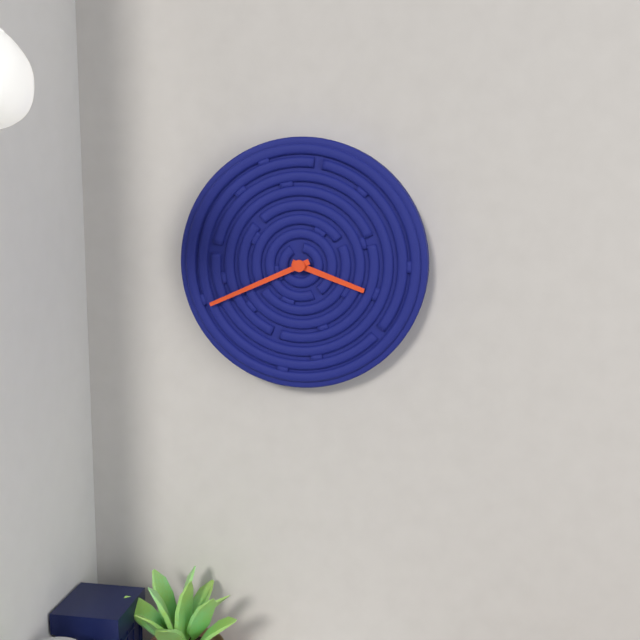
3:41
